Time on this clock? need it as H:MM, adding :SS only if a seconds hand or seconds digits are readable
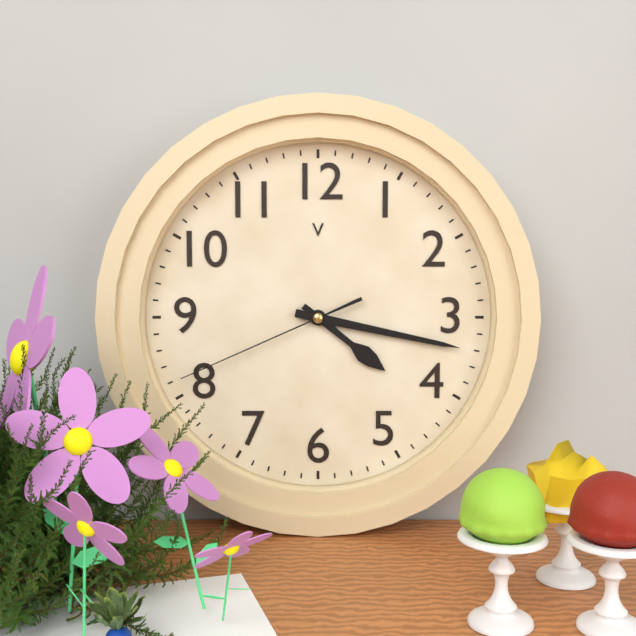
4:17:41
